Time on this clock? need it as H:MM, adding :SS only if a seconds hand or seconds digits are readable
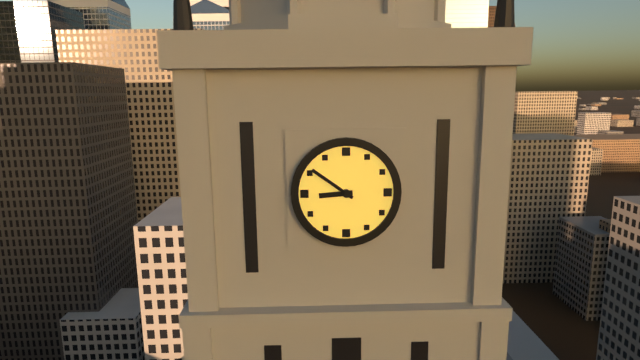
8:51
